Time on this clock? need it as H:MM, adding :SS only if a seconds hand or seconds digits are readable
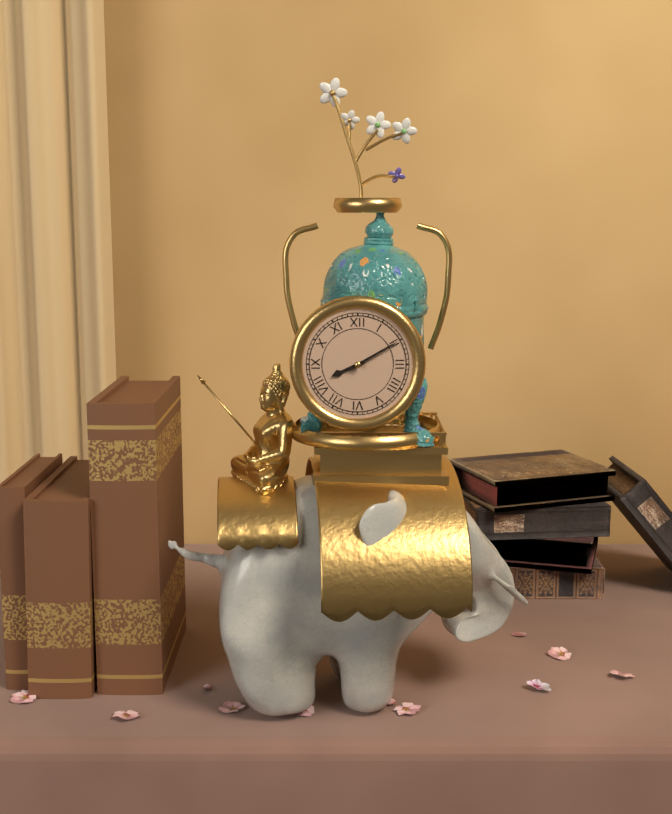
8:10
